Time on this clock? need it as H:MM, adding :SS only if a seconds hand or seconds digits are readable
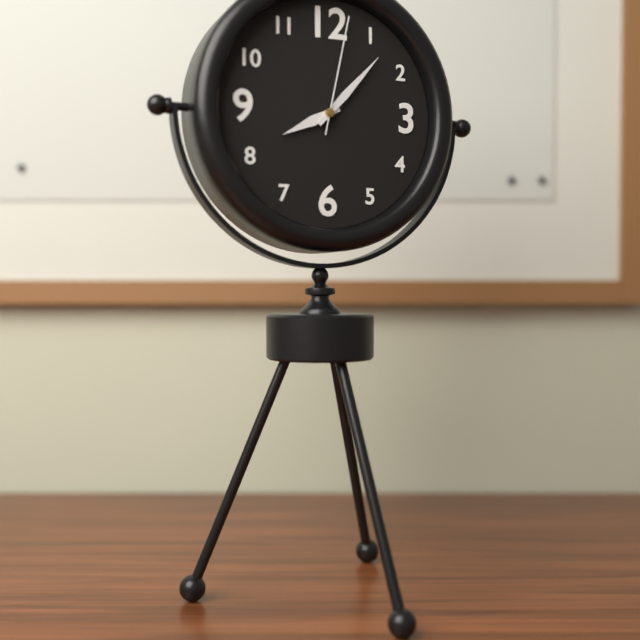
8:07:02
